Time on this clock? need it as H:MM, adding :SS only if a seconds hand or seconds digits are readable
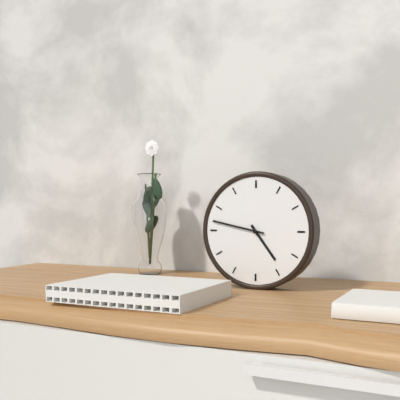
4:47
